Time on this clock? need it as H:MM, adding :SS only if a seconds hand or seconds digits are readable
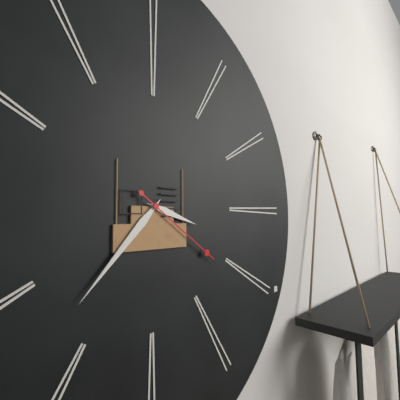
3:37:21
